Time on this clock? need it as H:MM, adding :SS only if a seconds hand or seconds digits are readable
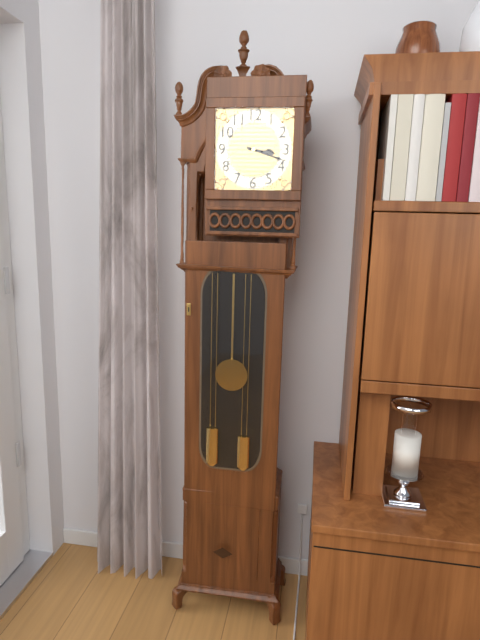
3:18
